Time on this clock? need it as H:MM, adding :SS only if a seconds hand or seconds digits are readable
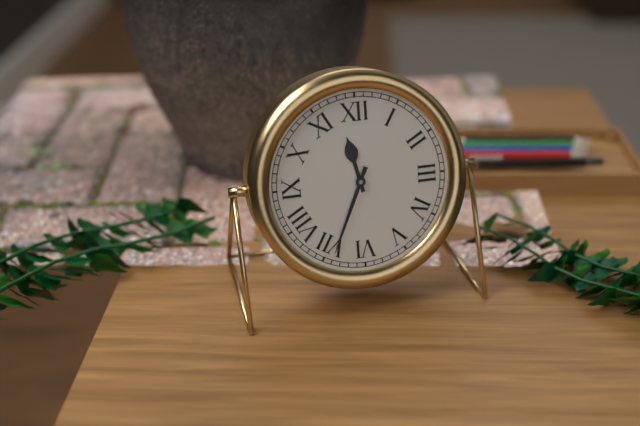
11:34
